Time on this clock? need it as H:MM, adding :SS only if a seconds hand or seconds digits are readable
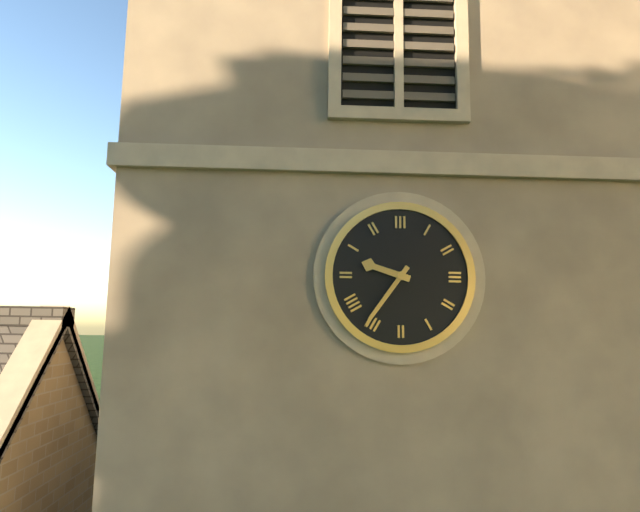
9:36
